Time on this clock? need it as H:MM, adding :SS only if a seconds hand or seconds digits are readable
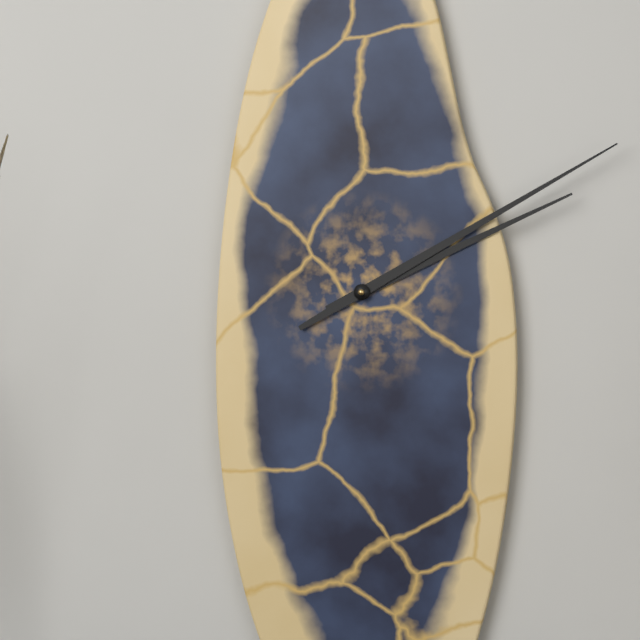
2:10
